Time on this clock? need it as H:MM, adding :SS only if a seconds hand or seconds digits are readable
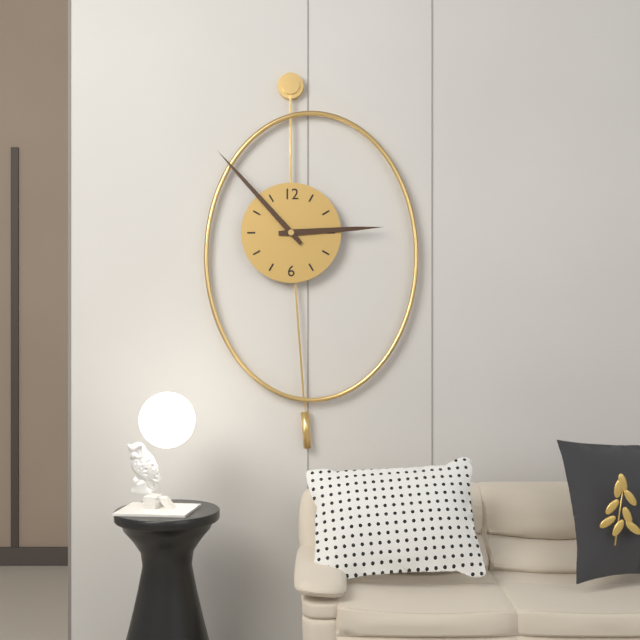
2:53
